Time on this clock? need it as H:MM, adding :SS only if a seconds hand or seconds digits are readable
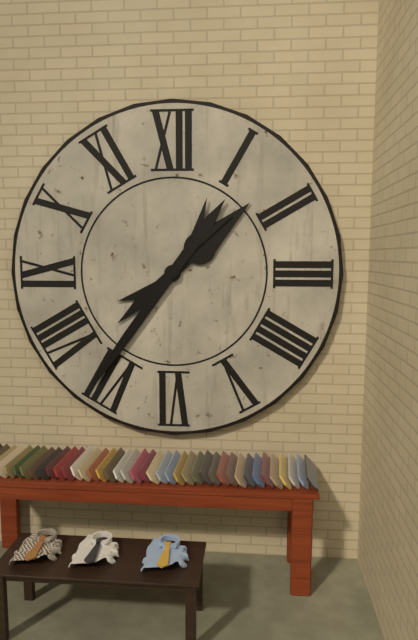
1:36
